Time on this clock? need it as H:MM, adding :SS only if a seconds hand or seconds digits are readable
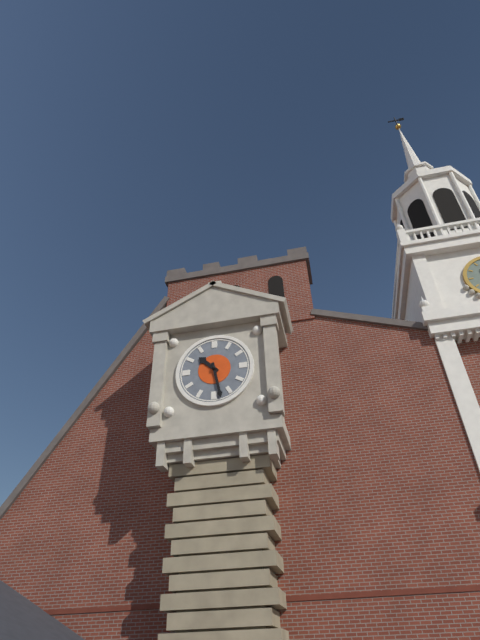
10:28
